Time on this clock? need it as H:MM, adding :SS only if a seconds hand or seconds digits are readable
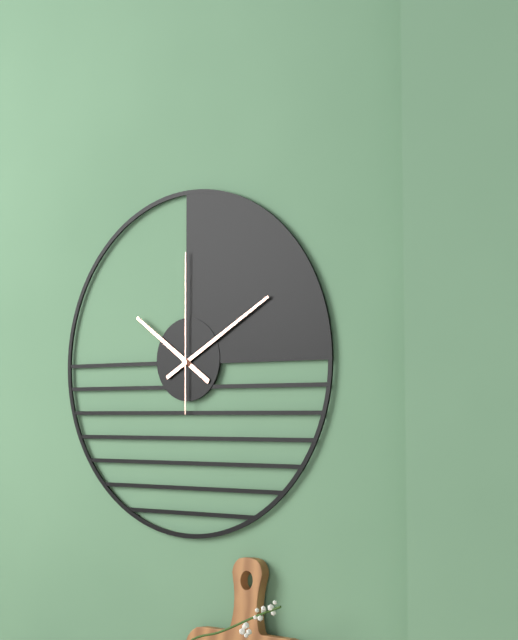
10:10:00
